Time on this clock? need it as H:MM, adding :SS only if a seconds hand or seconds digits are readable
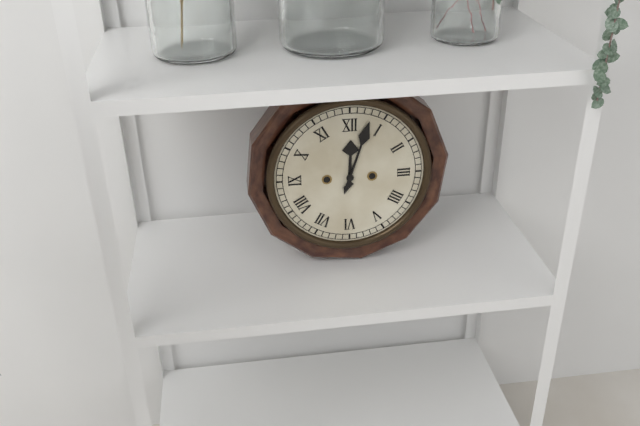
12:03
